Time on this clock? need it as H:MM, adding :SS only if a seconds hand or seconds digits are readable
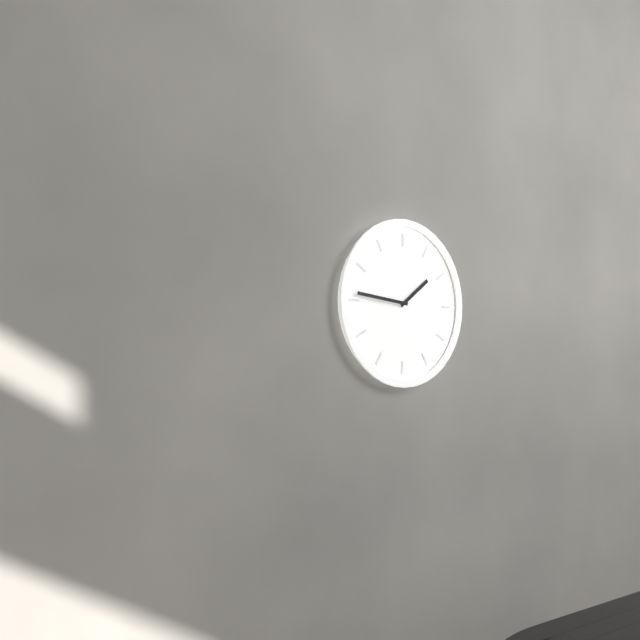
1:46
